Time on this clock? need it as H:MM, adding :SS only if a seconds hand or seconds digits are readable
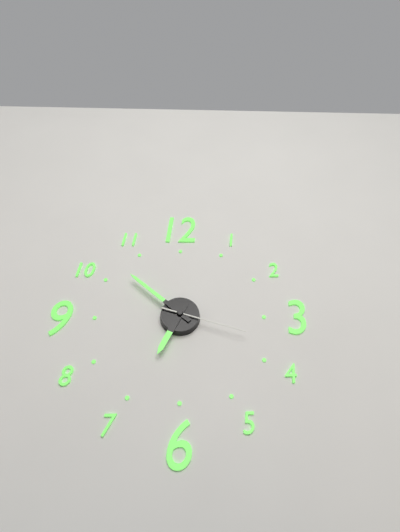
6:52:18
